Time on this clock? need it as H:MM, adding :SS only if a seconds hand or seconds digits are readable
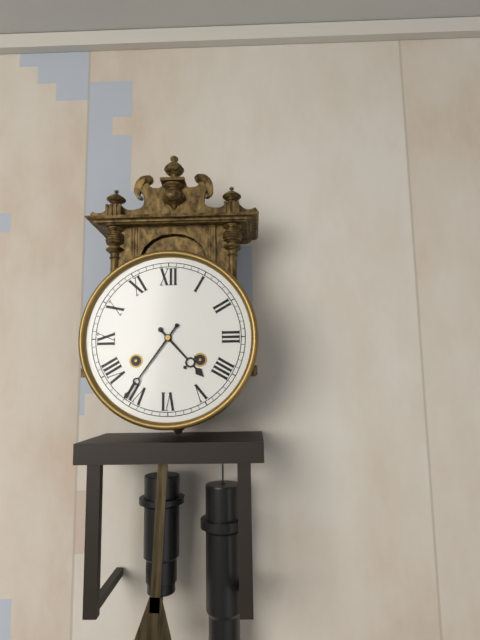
4:36
